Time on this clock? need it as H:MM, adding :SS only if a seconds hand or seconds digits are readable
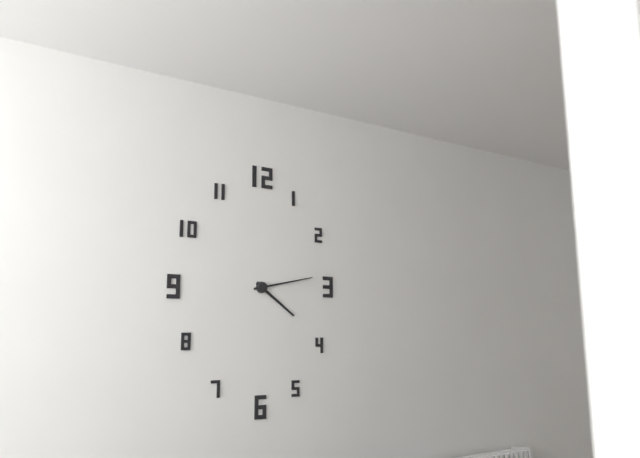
4:13
